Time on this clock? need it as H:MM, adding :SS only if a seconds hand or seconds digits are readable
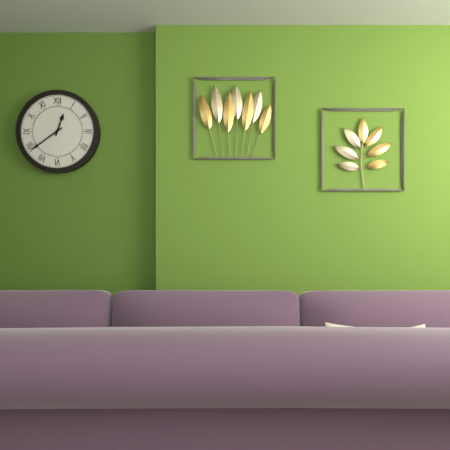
12:39
